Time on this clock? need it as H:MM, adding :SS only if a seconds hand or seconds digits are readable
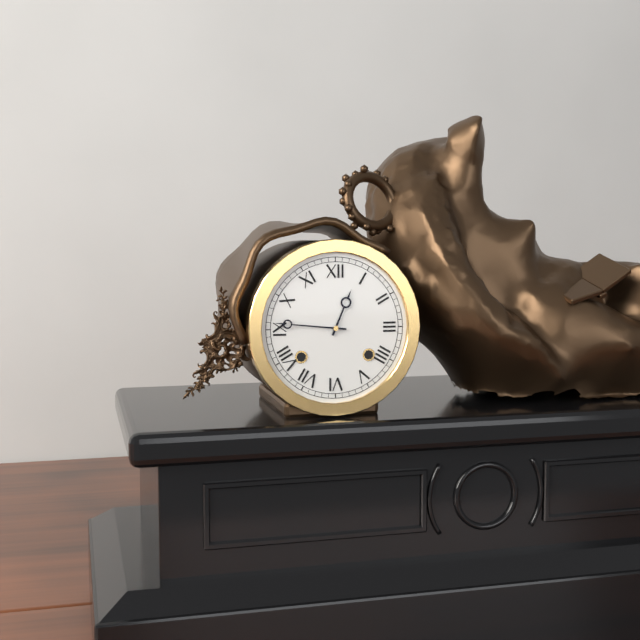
12:46
